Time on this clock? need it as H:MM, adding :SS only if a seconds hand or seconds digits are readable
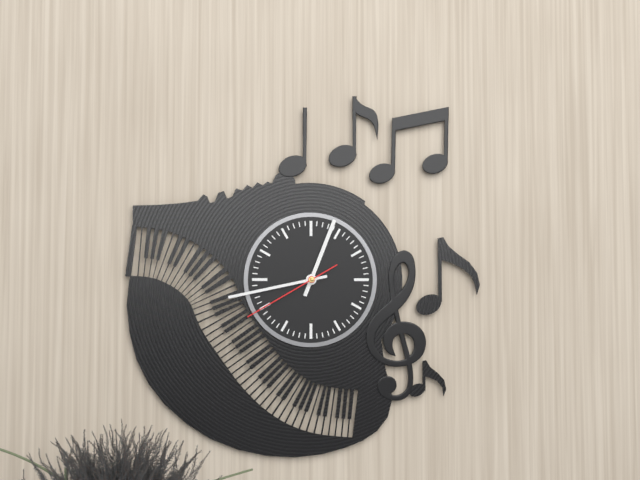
12:43:40
